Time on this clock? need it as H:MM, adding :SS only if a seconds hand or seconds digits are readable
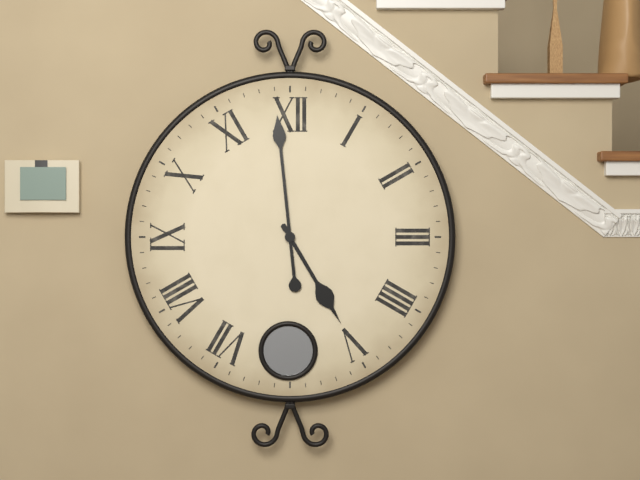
4:59
